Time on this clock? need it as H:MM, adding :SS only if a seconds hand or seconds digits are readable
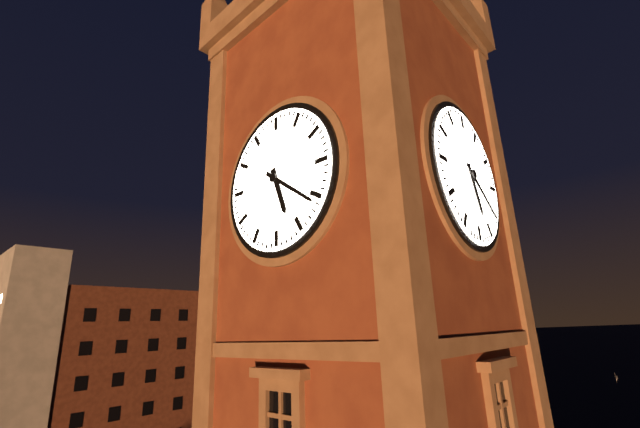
5:21
